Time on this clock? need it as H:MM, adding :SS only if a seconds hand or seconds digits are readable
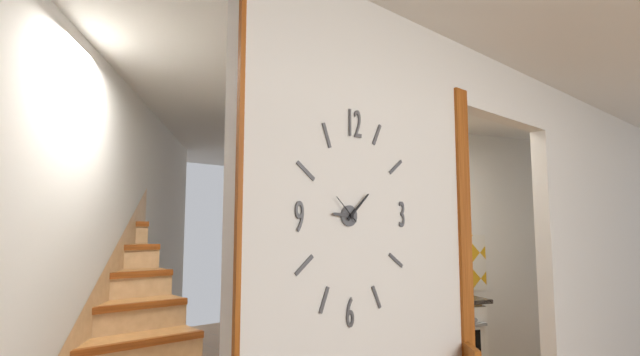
9:08
